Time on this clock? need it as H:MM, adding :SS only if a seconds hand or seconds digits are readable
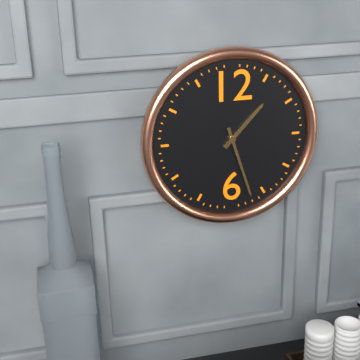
1:27
